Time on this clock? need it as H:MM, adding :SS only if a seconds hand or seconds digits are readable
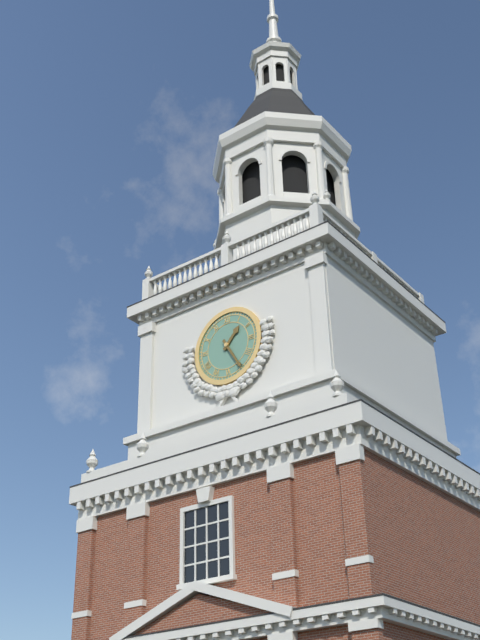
1:25
